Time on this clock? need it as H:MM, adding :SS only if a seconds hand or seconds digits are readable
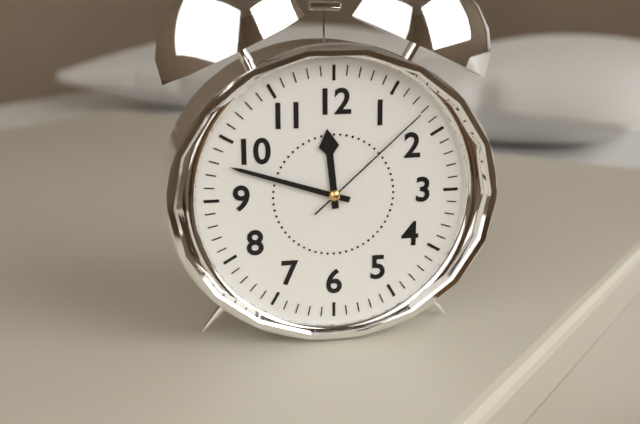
11:48:08
